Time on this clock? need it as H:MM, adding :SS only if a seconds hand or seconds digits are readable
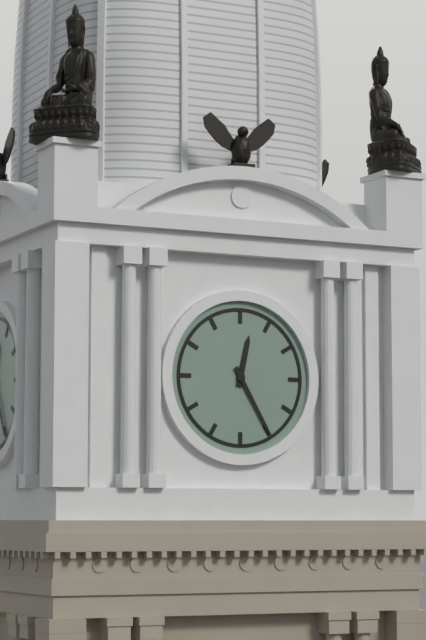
12:25
